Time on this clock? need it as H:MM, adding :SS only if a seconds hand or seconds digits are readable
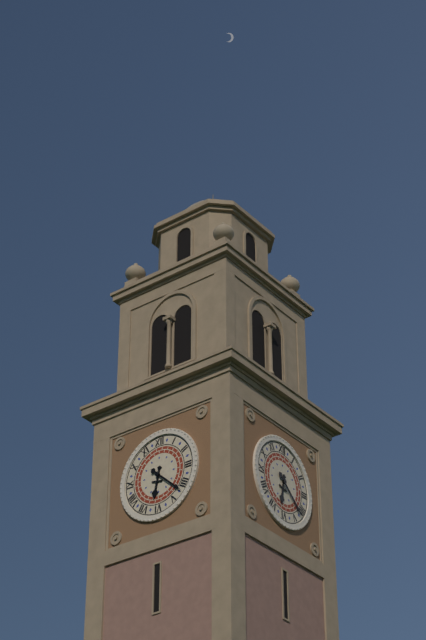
6:22
